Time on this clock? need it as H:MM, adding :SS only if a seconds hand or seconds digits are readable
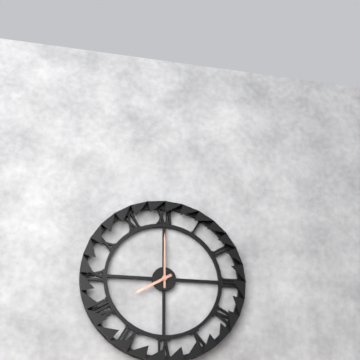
8:00
